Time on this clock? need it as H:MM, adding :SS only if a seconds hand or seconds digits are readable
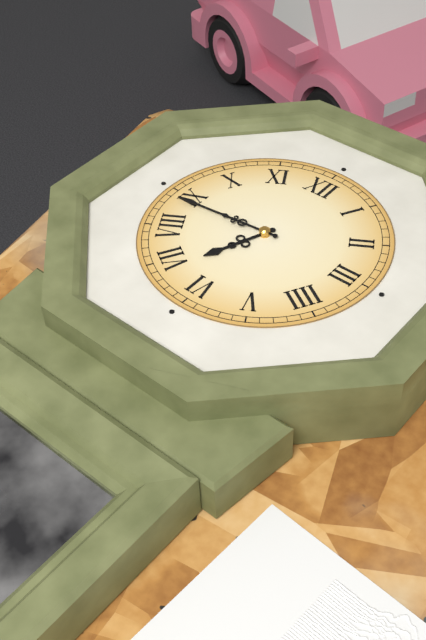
6:44
